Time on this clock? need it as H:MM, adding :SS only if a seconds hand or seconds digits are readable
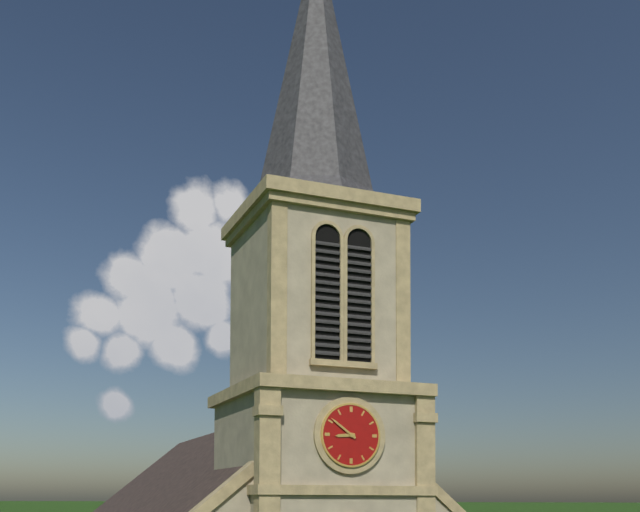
8:51
